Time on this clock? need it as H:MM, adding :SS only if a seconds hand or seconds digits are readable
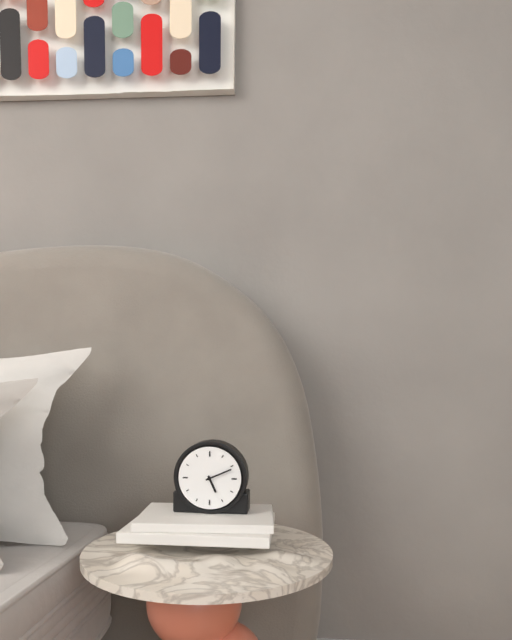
5:11
